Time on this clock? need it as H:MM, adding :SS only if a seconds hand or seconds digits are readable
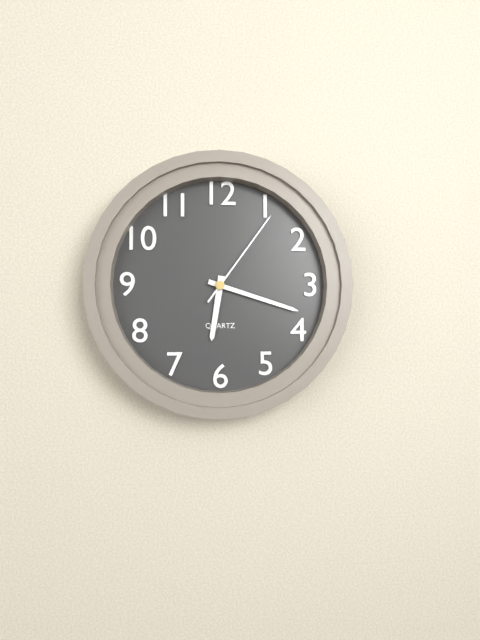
6:18:06
